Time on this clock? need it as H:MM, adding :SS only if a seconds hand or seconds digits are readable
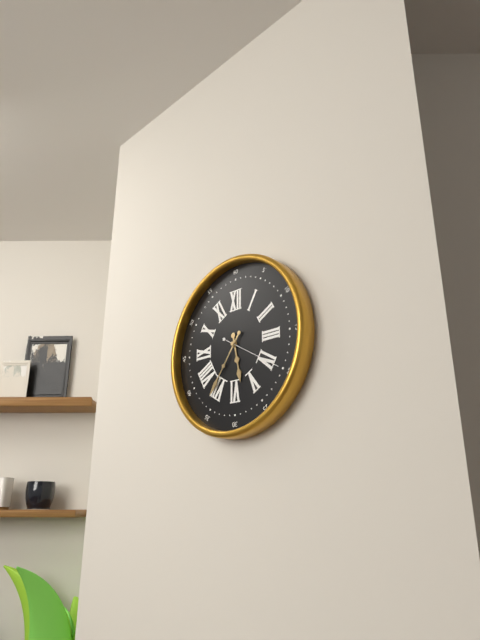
5:36:20
